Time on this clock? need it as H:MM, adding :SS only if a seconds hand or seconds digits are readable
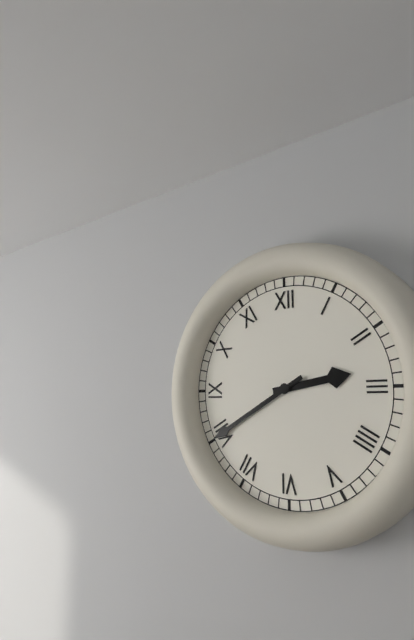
2:40
